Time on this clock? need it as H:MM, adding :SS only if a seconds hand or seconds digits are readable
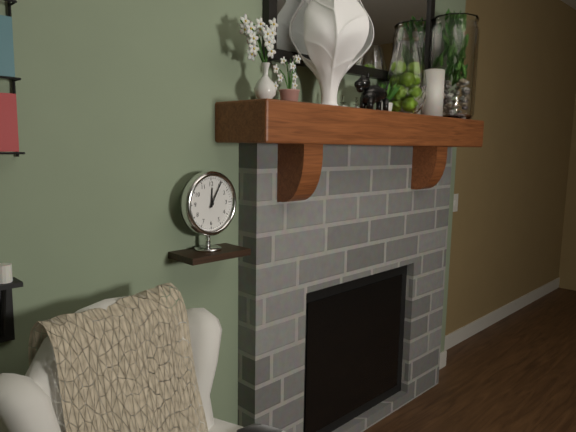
12:05
